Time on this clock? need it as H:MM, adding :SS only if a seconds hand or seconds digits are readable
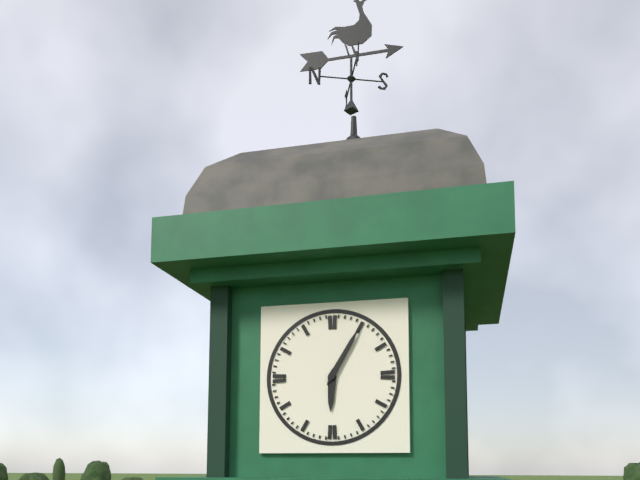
6:05
